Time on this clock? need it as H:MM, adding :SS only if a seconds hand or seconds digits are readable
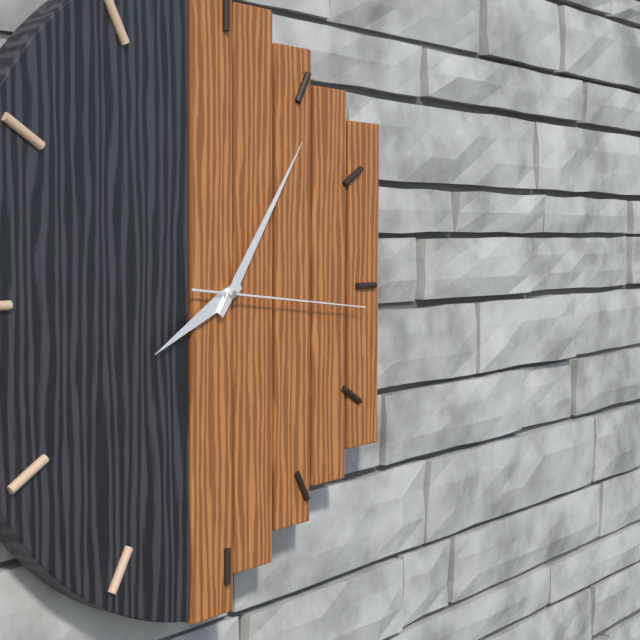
8:06:16
